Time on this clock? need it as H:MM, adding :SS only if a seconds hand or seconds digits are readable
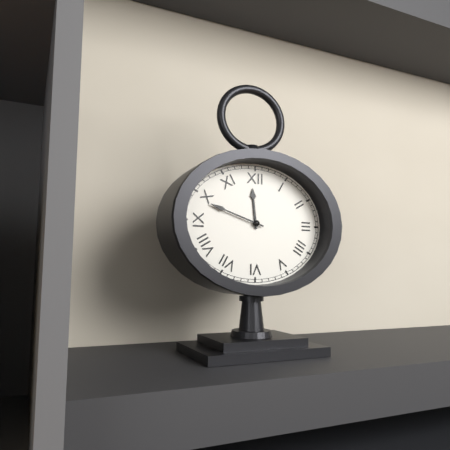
11:48
